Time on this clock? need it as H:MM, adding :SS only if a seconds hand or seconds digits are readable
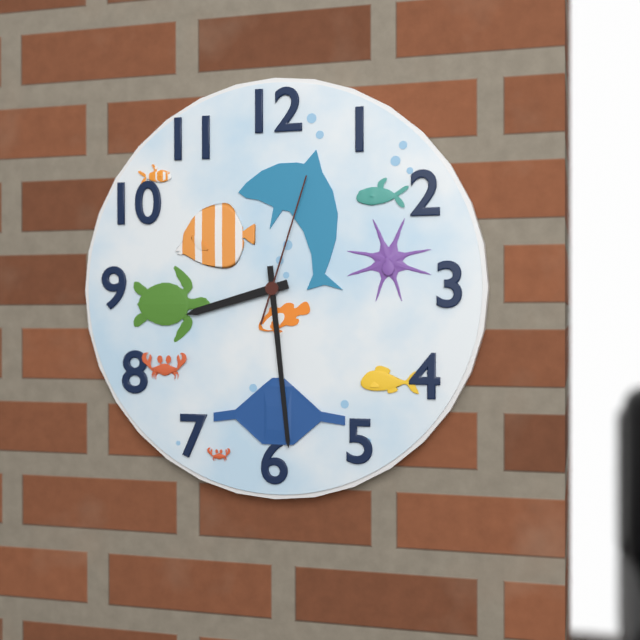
8:29:03
